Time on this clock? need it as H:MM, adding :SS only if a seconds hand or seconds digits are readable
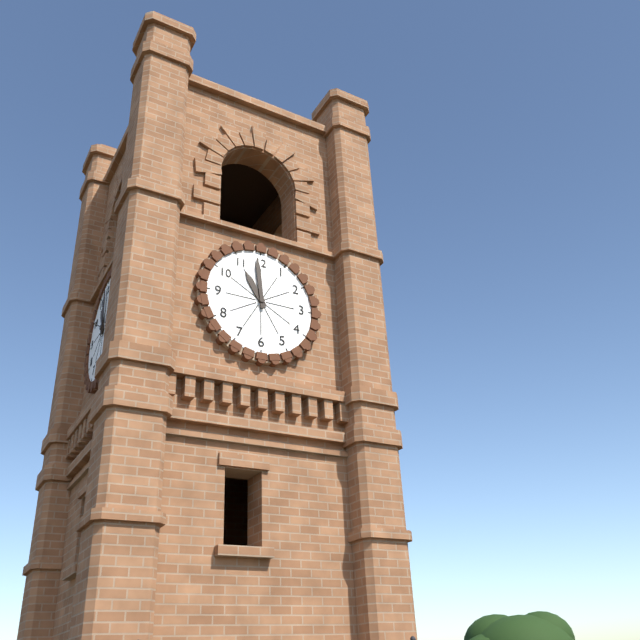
10:59
